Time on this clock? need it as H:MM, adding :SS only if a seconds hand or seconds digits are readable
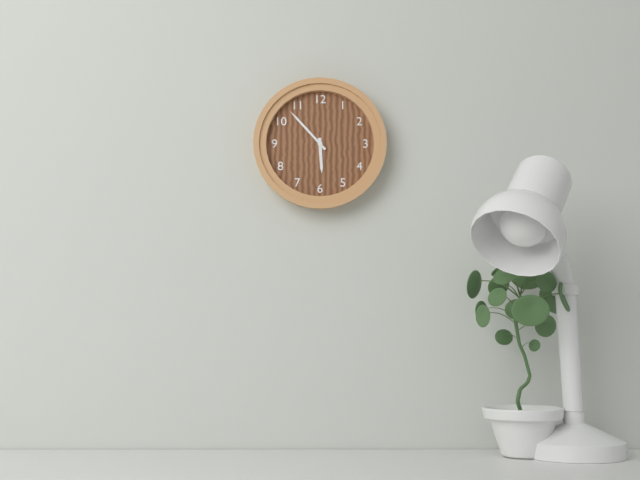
5:53
